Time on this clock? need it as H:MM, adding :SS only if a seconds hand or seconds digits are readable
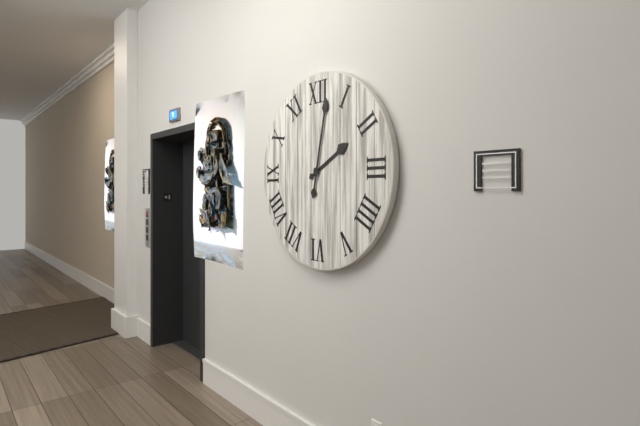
2:02
